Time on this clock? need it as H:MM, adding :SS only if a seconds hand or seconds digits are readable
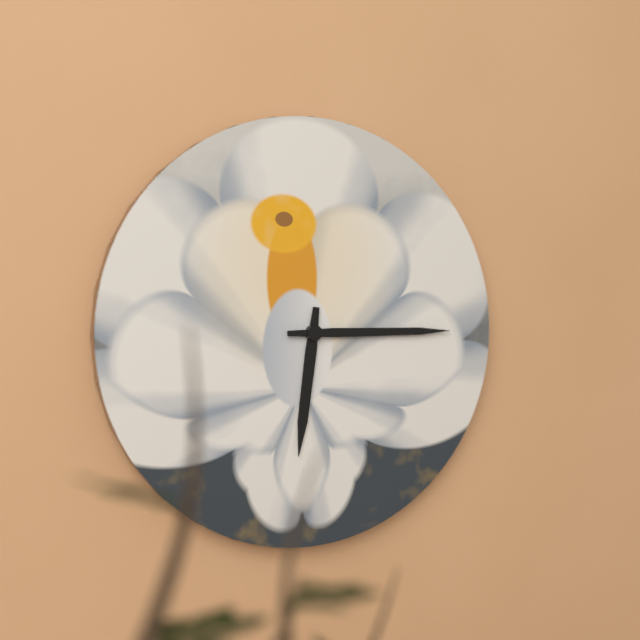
6:15
